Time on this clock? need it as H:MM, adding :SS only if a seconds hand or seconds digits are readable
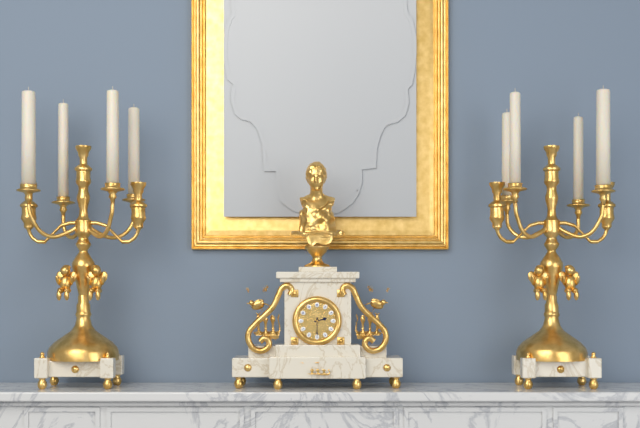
2:30
